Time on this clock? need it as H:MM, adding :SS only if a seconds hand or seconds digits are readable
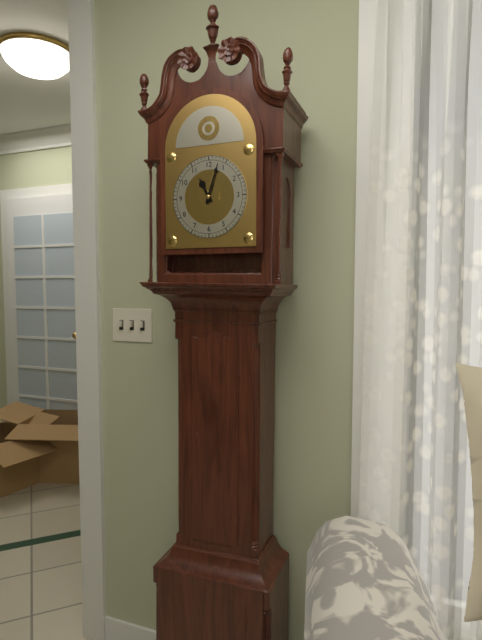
11:03
